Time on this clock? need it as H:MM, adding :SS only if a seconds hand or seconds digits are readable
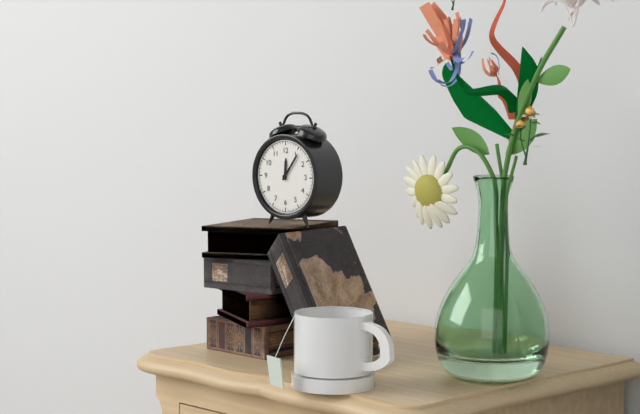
12:06
